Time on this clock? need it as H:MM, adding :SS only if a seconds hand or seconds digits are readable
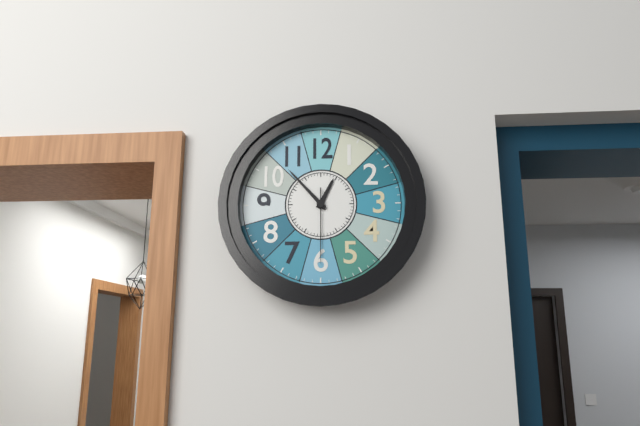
12:53:30
